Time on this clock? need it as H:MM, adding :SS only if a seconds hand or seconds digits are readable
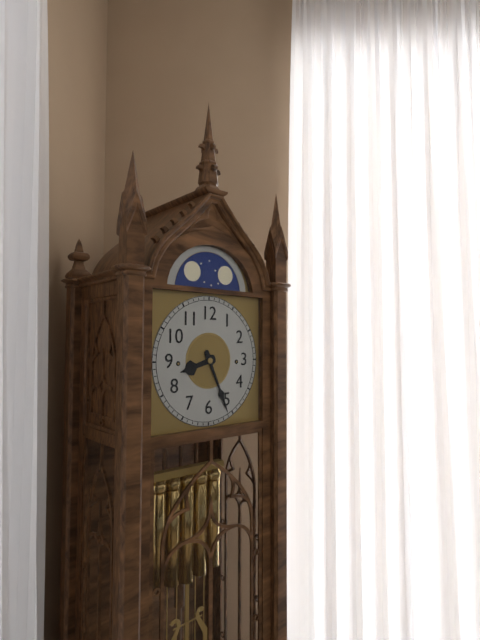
8:26
